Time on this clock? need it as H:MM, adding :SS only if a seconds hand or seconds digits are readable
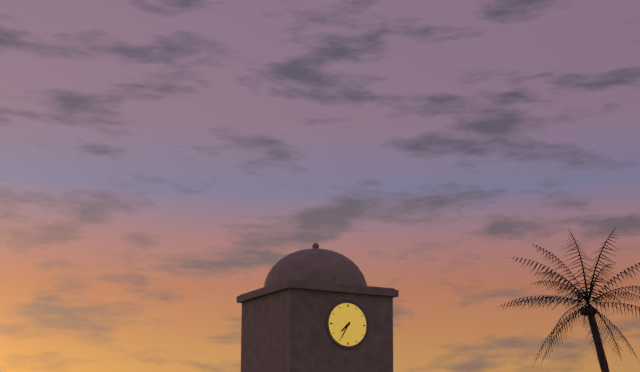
7:35
